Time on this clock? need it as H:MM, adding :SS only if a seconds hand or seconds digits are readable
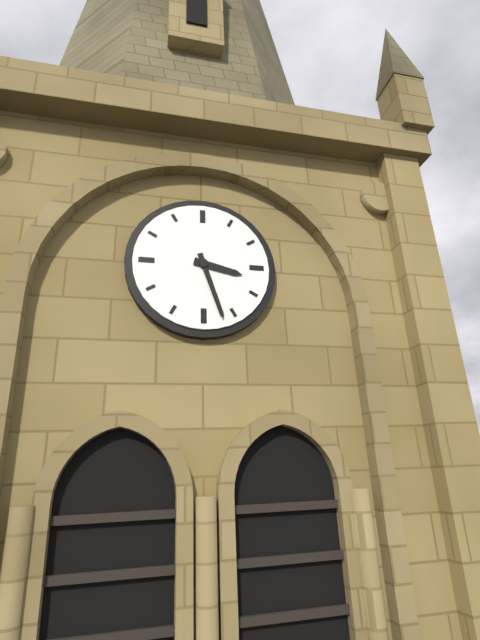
3:27
